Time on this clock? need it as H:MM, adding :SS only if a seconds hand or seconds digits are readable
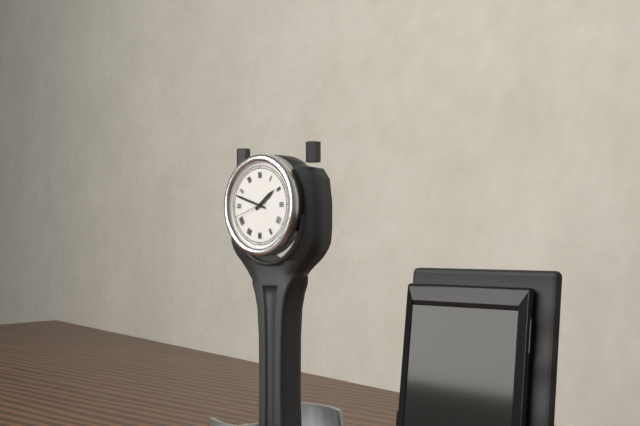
1:48
